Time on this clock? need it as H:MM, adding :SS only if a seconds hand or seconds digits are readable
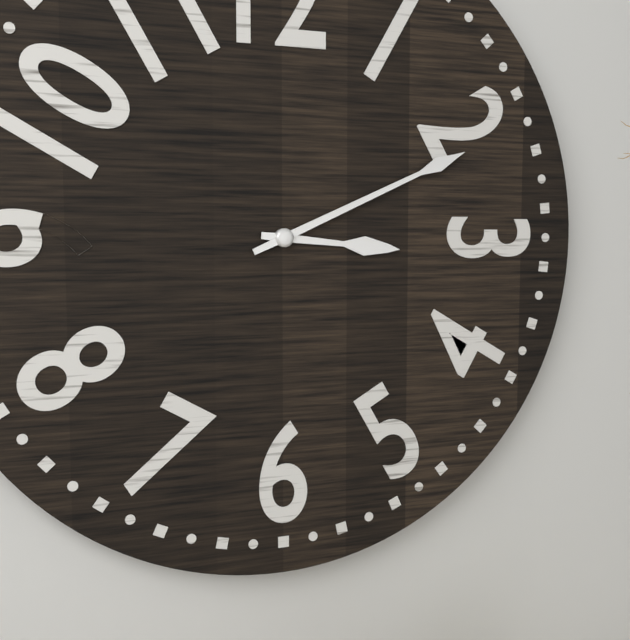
3:11
